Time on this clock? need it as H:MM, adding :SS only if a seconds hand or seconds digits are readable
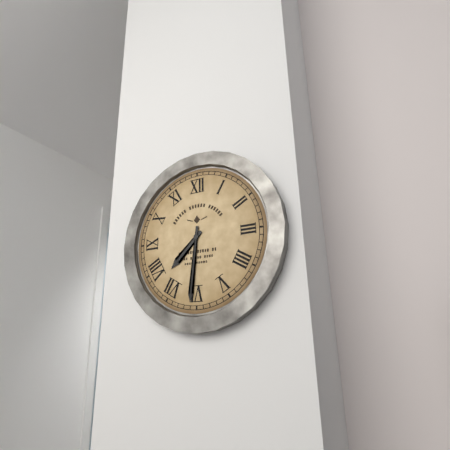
7:31
